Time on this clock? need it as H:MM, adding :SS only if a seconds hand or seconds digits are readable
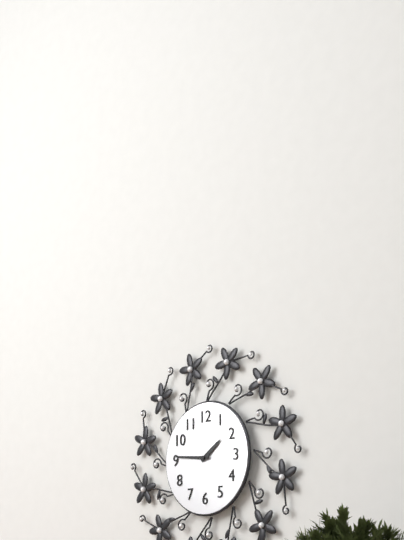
1:46
